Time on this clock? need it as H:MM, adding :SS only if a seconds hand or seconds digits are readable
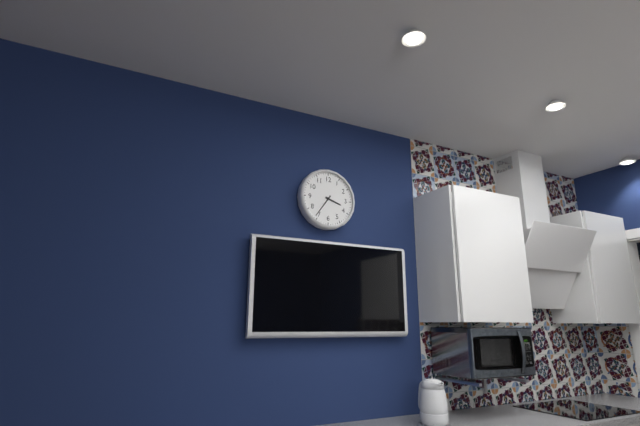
3:36
